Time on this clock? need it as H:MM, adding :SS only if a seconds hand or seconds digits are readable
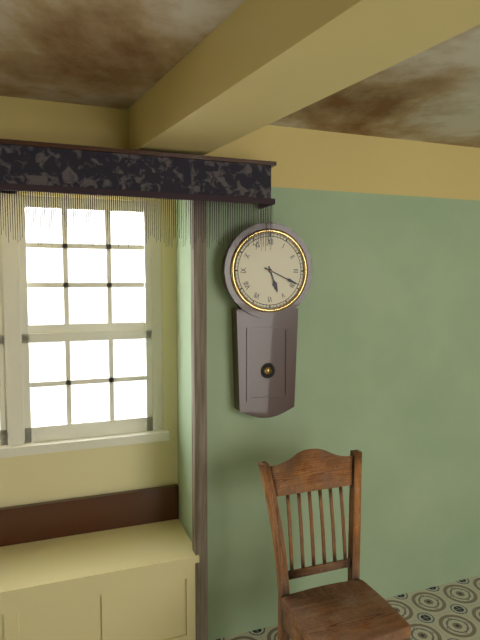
5:19
